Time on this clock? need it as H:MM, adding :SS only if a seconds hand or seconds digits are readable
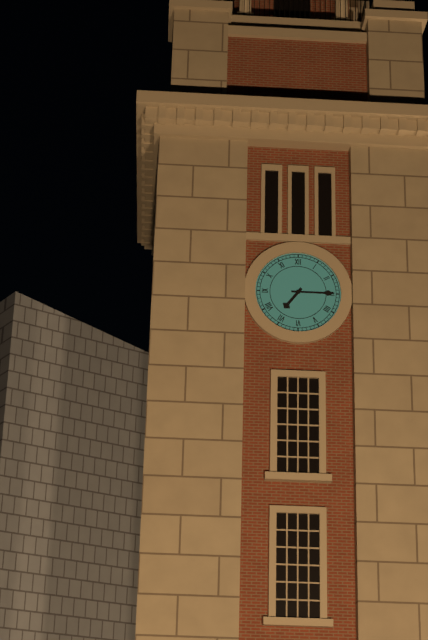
7:15
